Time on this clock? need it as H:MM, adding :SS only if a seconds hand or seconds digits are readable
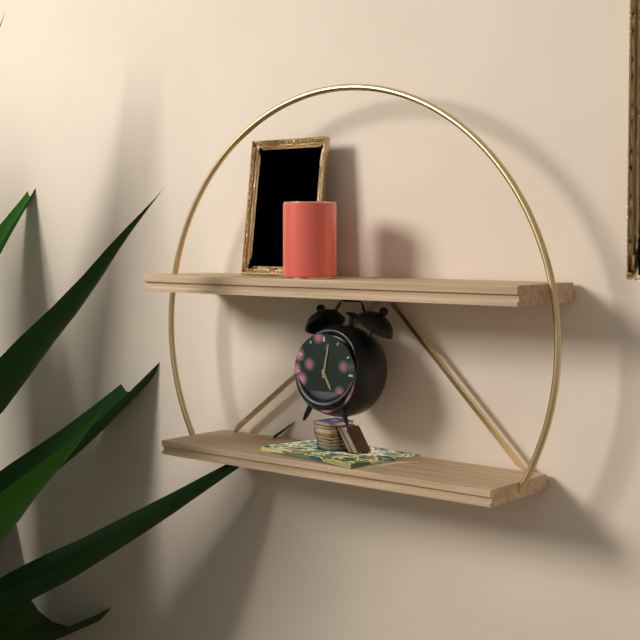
5:02
